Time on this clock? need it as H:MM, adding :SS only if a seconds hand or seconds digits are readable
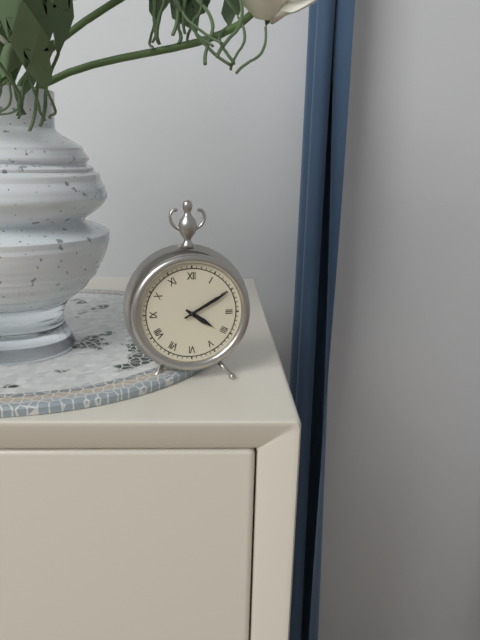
4:10
